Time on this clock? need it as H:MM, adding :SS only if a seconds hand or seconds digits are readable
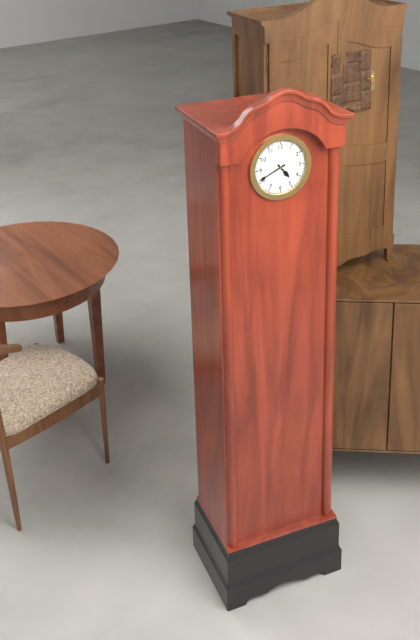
4:41
